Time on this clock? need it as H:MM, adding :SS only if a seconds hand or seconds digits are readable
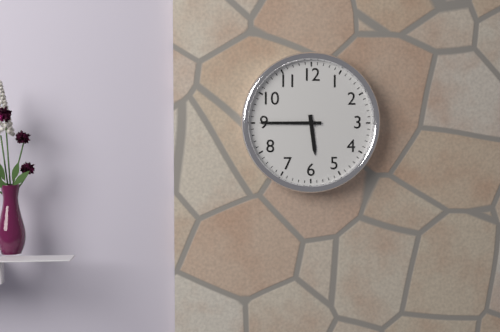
5:45
